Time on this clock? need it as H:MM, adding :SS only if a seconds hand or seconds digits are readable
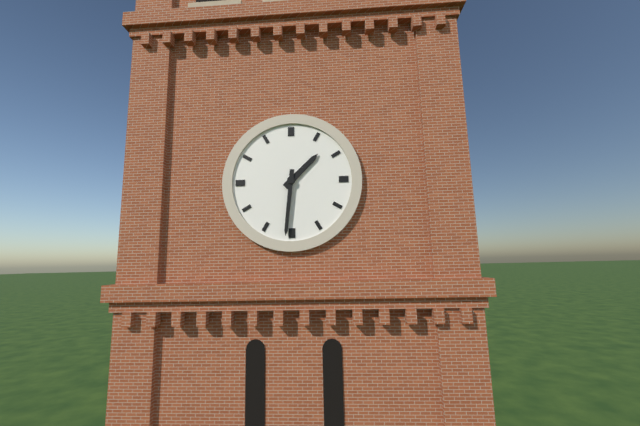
1:31
